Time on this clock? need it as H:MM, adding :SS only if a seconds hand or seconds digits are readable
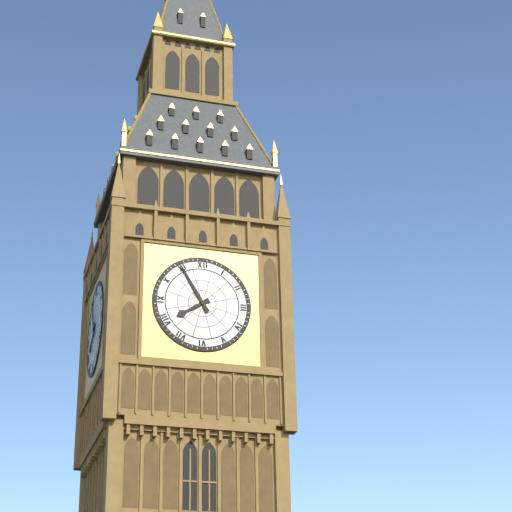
7:55
